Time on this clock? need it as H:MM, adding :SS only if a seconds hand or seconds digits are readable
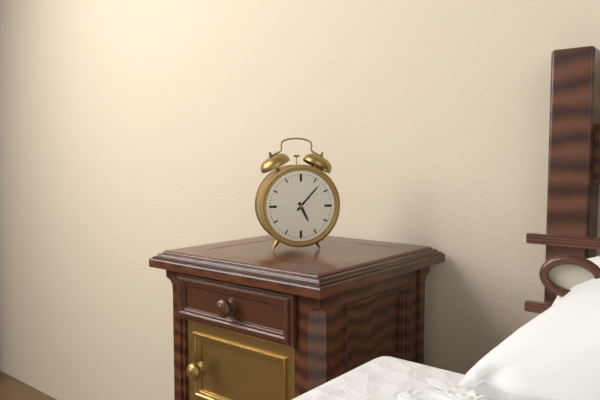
5:07
